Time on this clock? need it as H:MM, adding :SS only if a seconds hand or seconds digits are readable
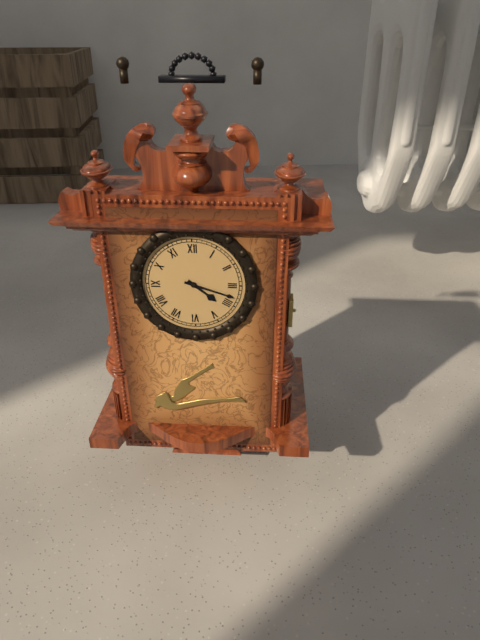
4:18
